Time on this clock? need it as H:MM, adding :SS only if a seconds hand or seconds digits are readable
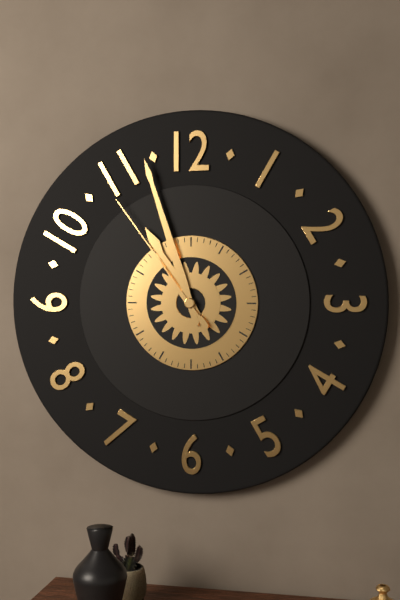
10:57:54
